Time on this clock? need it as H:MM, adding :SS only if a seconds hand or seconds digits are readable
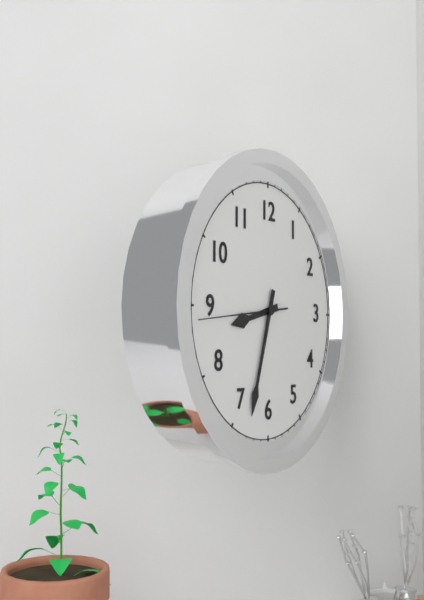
8:33:44
